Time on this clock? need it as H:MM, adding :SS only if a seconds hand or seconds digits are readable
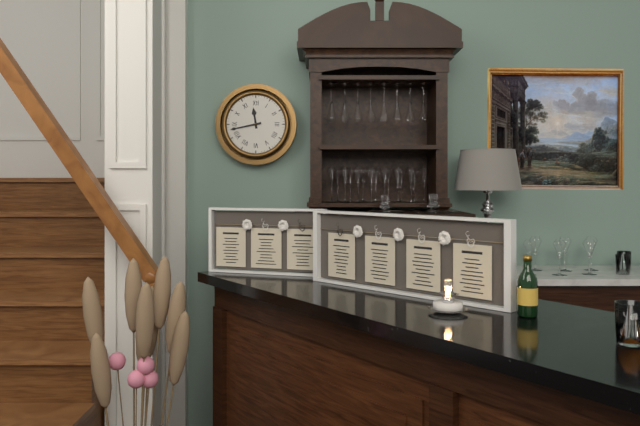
11:43
